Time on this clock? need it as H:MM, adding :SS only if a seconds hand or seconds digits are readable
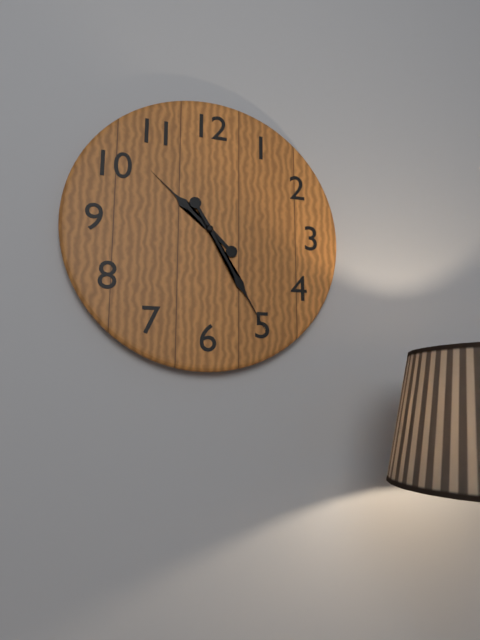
10:25
